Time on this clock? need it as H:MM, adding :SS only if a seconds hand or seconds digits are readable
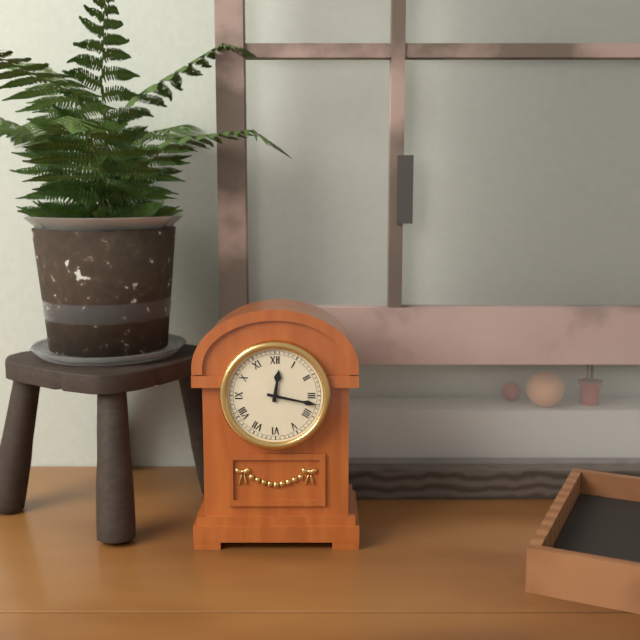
12:17
